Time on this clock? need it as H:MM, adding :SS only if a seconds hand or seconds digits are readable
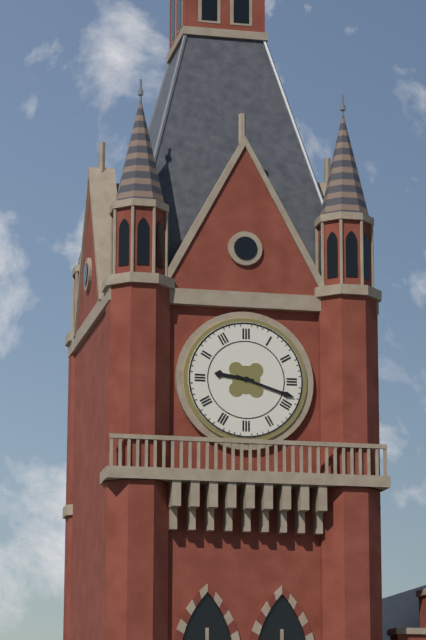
9:18
